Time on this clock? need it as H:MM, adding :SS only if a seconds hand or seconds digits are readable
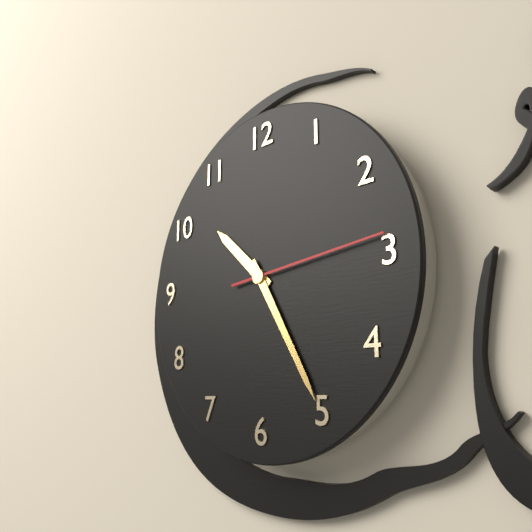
10:25:14
